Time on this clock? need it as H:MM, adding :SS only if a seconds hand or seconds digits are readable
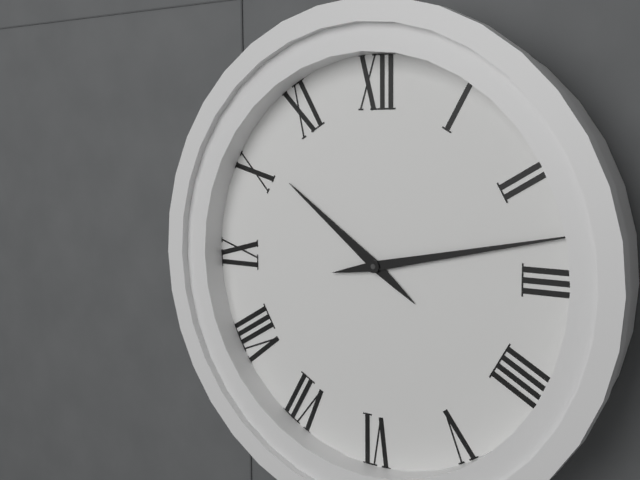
10:13
